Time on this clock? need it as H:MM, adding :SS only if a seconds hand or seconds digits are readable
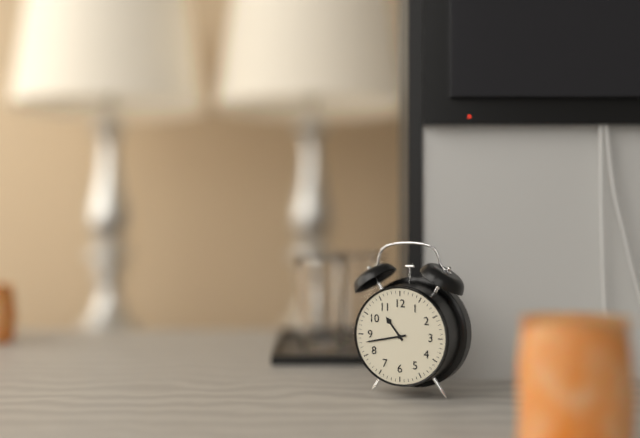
10:43
